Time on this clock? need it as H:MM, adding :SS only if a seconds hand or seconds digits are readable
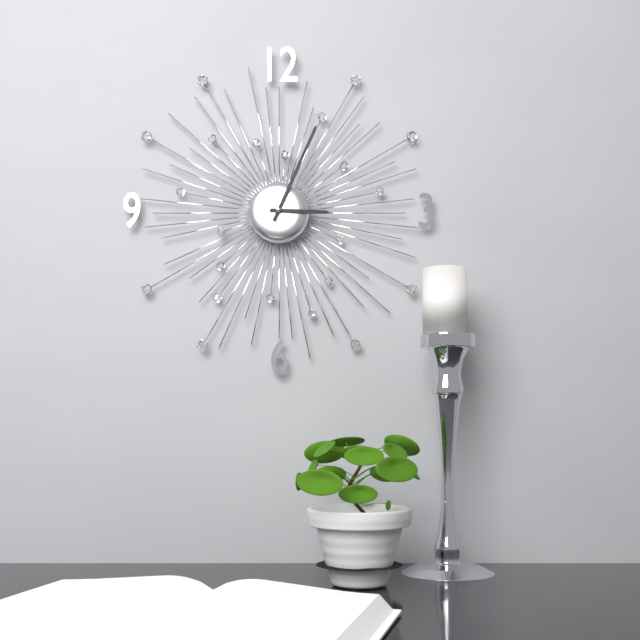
3:04
